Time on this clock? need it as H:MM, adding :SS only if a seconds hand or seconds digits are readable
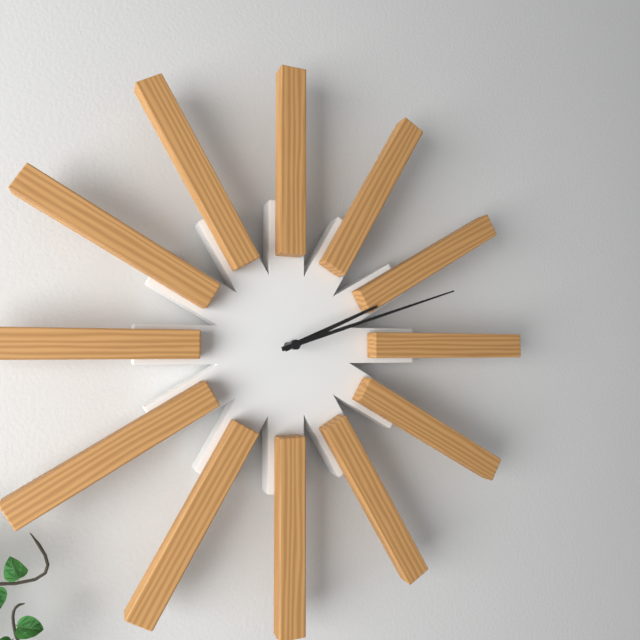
2:12
